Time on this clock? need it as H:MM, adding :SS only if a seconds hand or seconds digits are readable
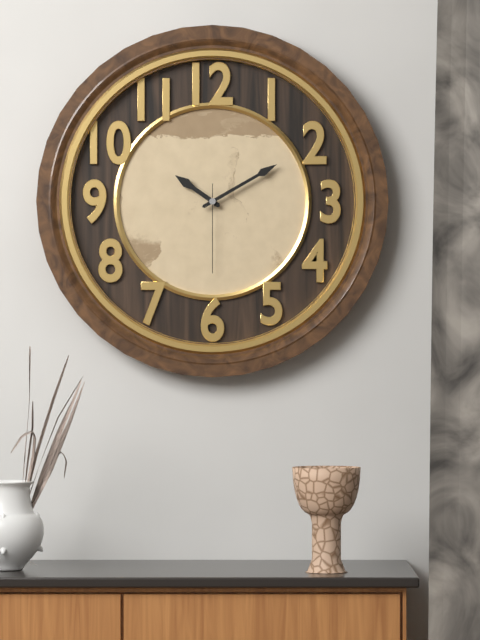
10:10:30
